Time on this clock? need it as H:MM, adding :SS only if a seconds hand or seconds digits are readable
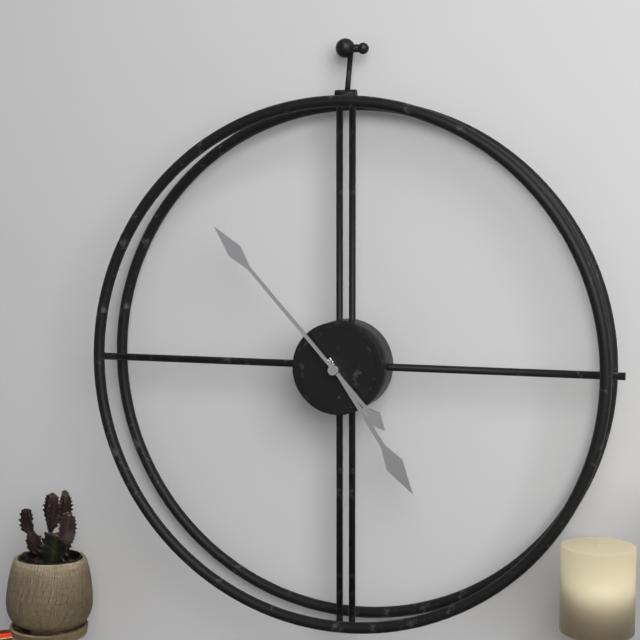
4:53
